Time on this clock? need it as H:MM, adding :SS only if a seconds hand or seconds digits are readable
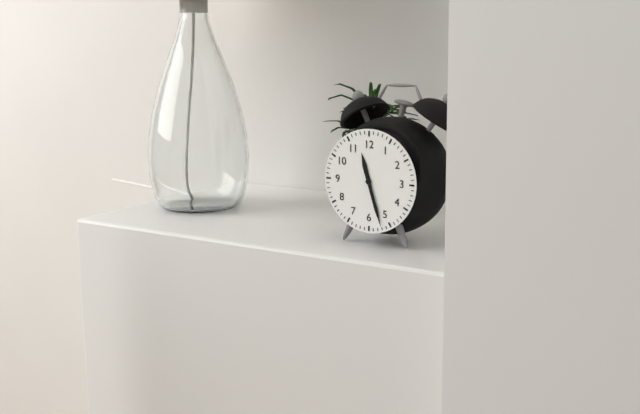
11:27
